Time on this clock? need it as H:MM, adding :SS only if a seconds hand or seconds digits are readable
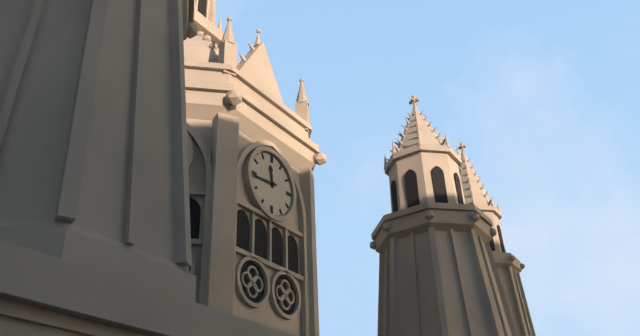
11:44
